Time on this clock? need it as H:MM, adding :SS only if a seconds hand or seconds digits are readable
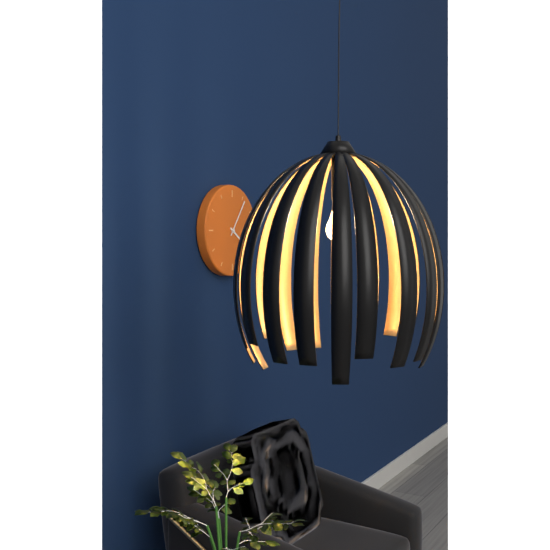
4:06
